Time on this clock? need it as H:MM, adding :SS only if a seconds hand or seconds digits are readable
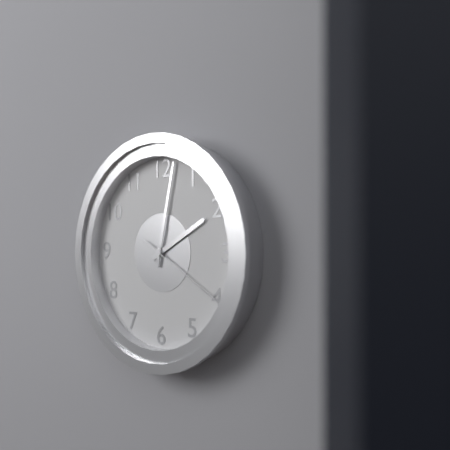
2:02:20
